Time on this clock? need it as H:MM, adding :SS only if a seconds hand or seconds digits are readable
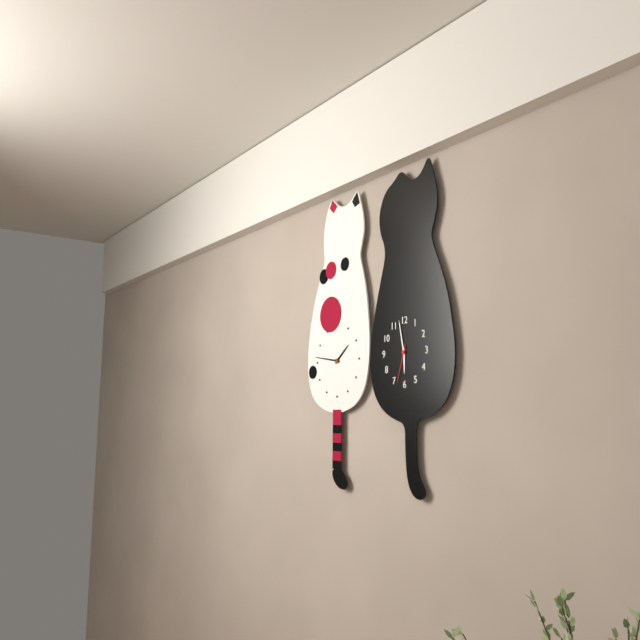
5:58
